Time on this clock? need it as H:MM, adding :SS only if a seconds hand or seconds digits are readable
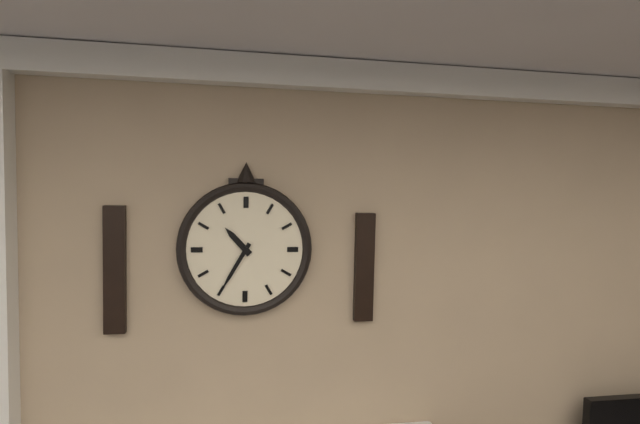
10:35
